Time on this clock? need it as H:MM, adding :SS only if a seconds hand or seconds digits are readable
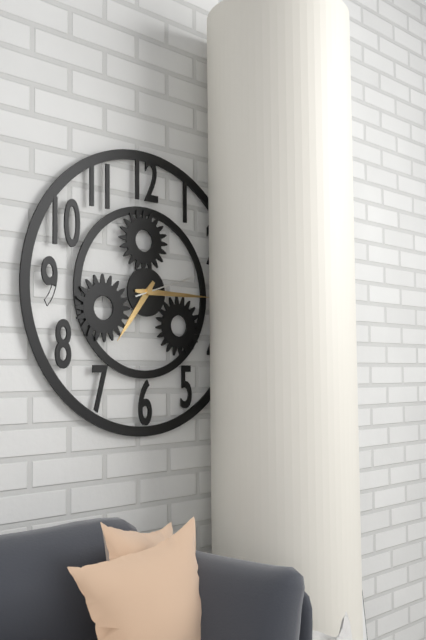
7:15:12
